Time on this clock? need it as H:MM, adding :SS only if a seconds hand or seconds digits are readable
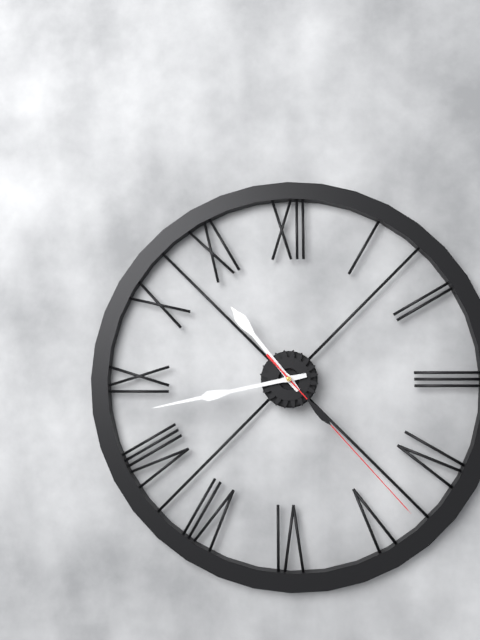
10:43:23
